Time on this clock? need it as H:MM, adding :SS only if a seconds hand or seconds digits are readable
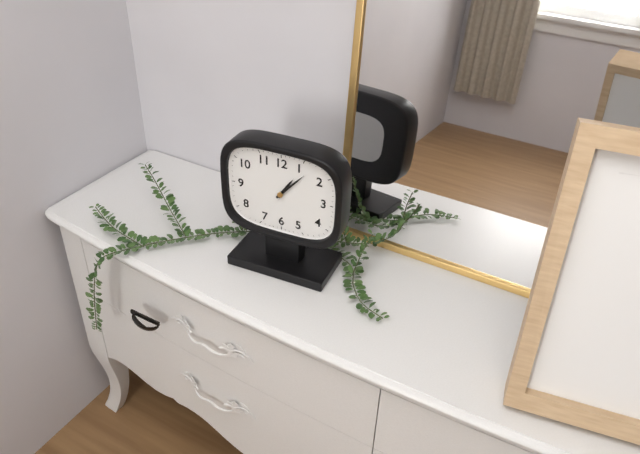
1:07
